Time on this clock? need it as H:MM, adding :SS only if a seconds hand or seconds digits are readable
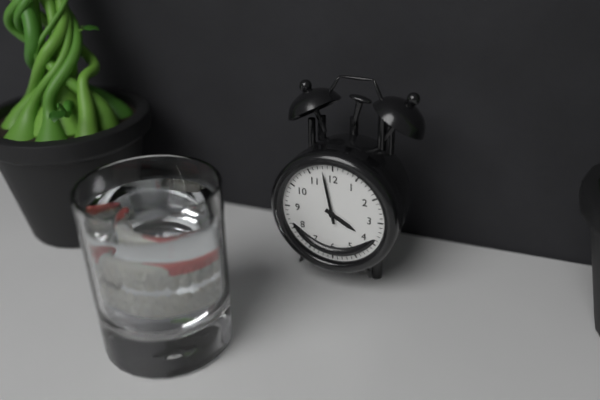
3:58
